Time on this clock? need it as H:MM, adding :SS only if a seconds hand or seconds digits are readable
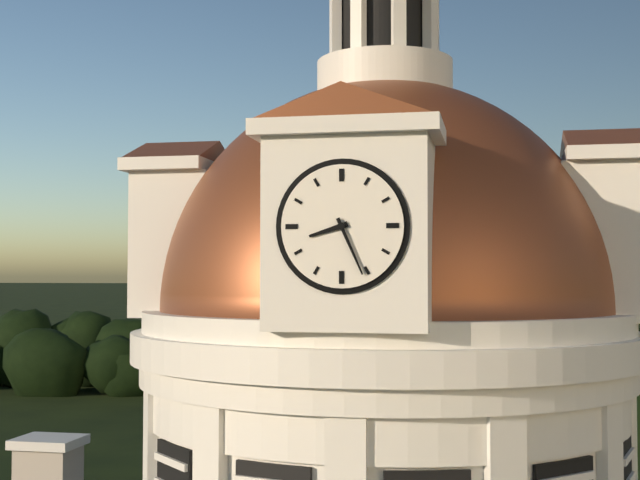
8:26
